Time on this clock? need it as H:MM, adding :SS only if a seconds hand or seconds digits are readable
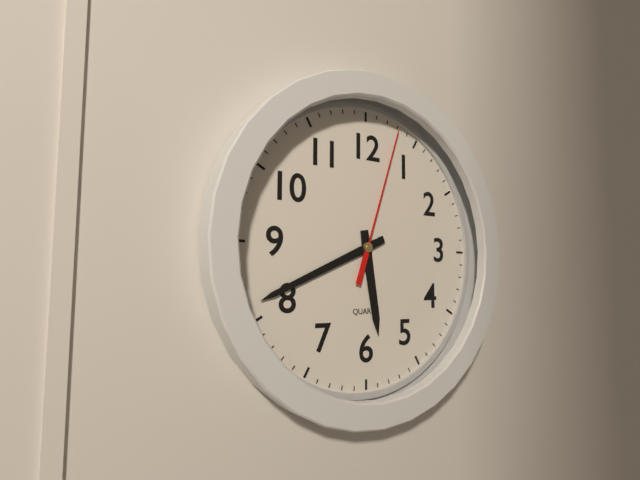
5:41:03
